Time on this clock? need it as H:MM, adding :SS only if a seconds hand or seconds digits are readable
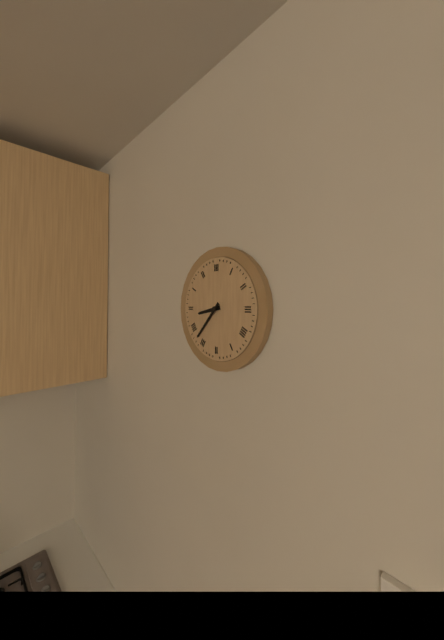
8:37
